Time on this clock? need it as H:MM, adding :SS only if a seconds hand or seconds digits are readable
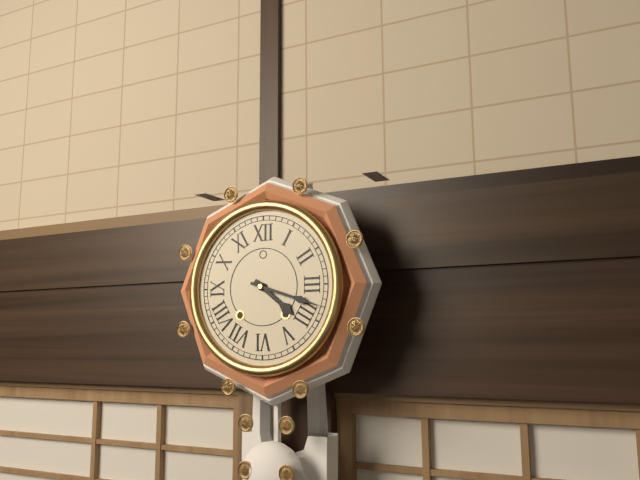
4:18
